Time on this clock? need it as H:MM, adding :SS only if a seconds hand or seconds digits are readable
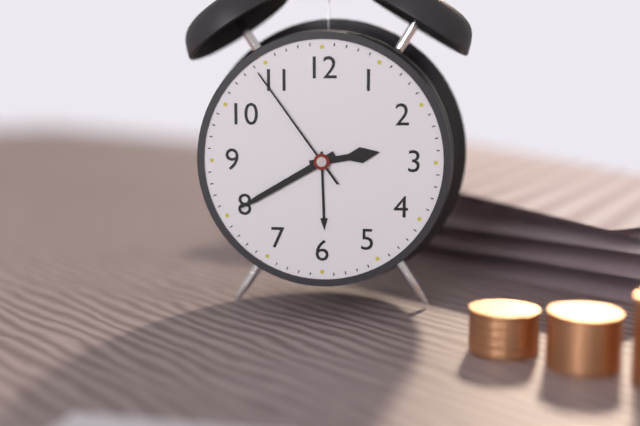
2:40:54
